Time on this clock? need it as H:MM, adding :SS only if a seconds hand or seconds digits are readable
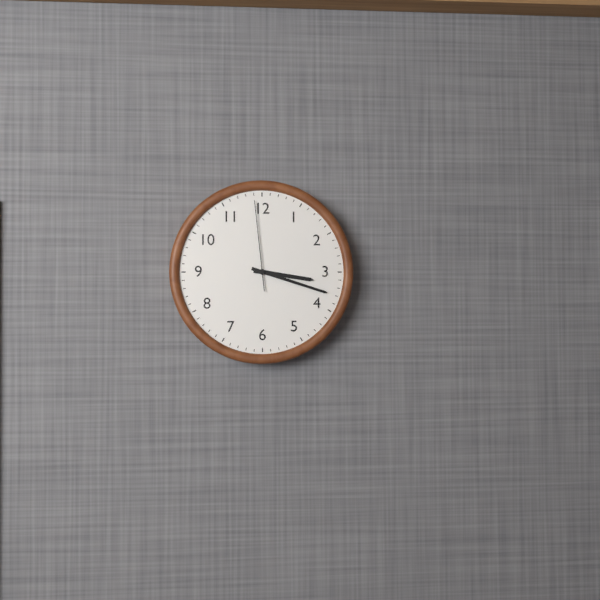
3:18:59
